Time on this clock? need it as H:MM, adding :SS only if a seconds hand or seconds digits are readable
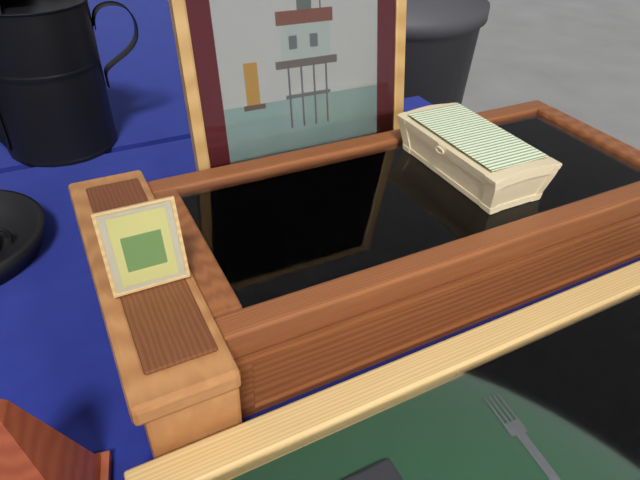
9:34
